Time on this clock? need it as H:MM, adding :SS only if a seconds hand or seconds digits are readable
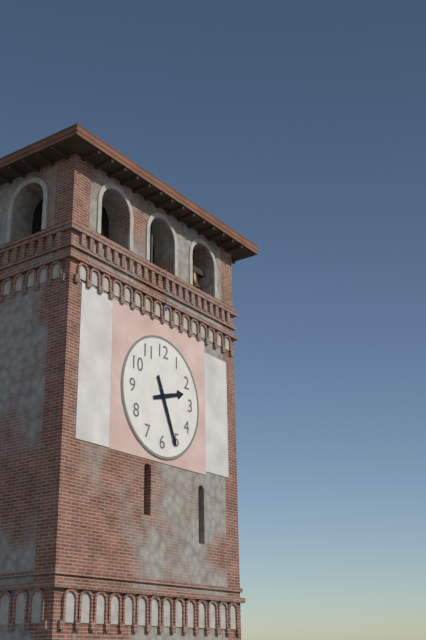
2:26
